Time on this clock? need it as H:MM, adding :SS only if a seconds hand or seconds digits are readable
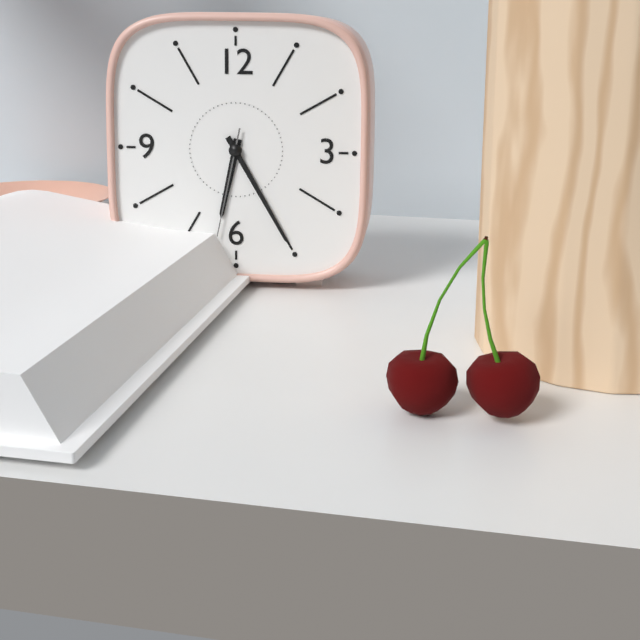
6:25:32
